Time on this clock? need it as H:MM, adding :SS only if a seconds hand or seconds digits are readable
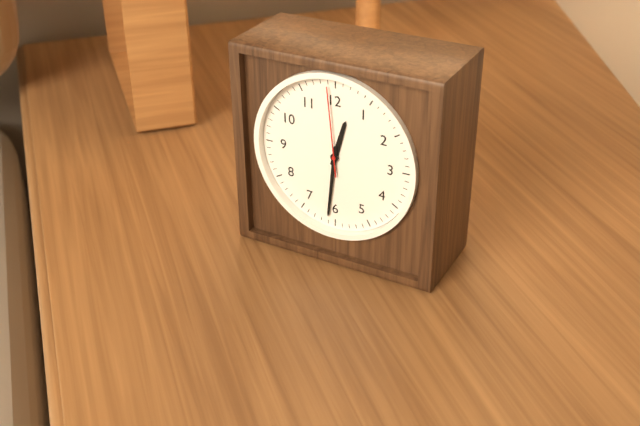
12:31:59
